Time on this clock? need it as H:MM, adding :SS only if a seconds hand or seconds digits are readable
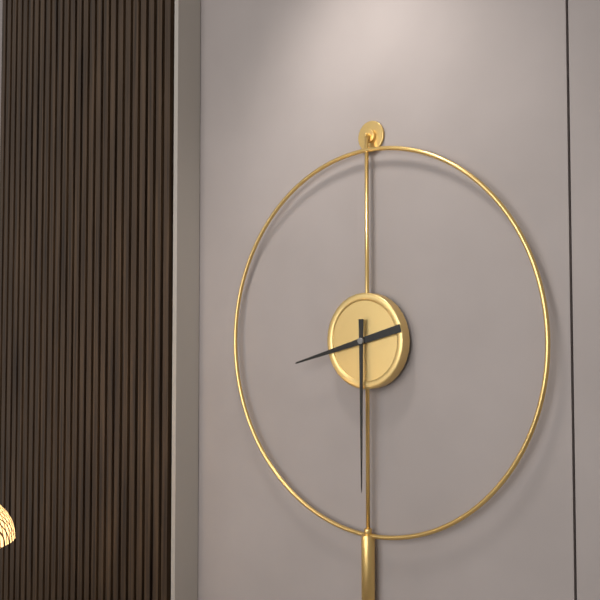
8:30
